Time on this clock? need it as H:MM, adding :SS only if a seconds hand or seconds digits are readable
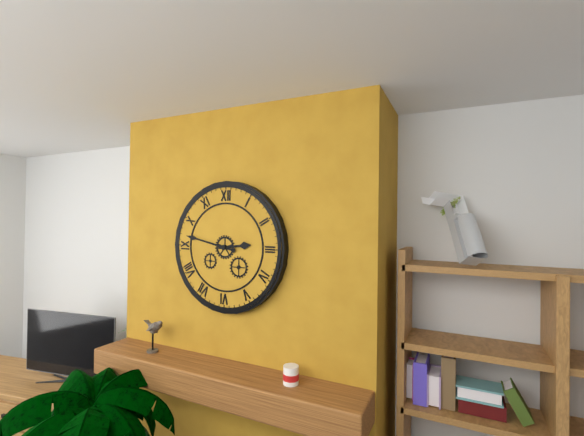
2:47
